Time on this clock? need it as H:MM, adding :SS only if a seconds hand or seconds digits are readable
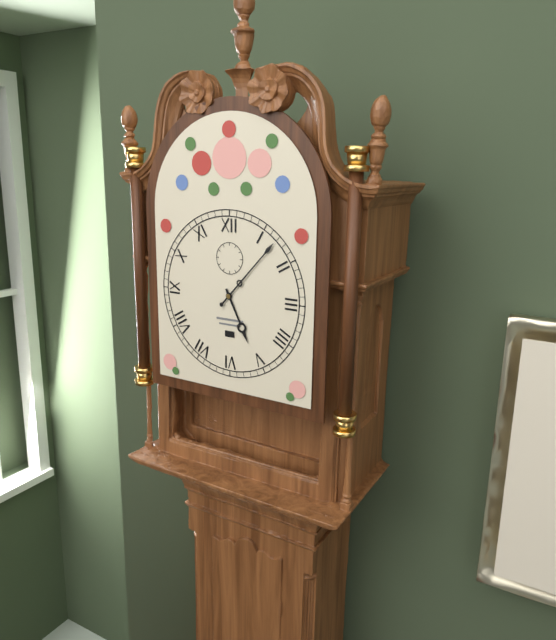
5:07
